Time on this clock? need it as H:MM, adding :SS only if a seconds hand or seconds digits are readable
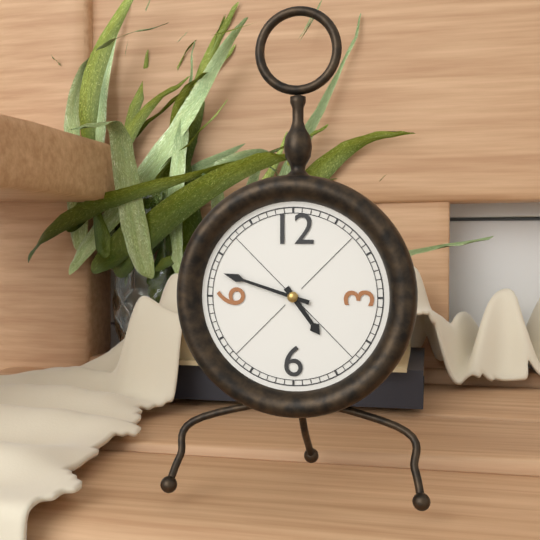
4:48
